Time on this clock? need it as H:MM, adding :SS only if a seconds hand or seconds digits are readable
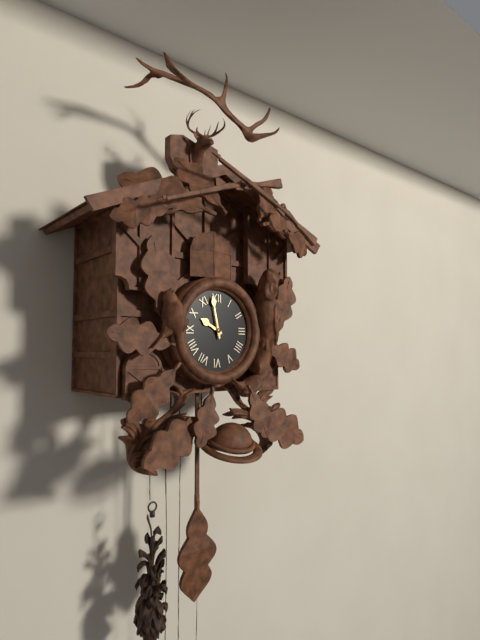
9:58
